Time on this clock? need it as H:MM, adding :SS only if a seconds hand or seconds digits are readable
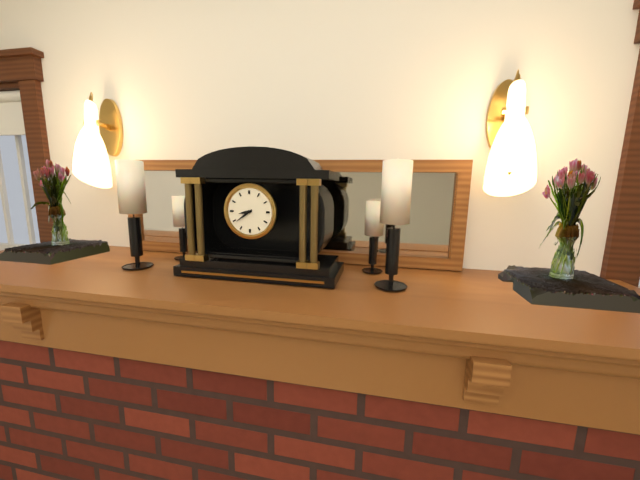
8:39
